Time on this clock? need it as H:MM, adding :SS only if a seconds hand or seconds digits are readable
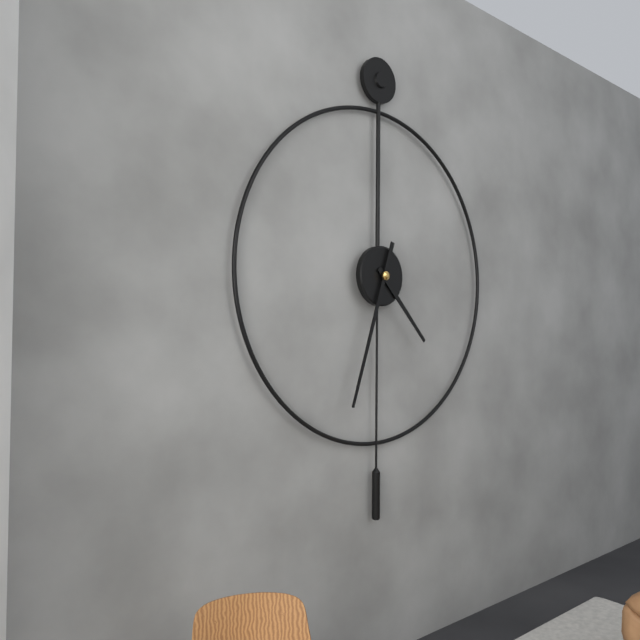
4:33
